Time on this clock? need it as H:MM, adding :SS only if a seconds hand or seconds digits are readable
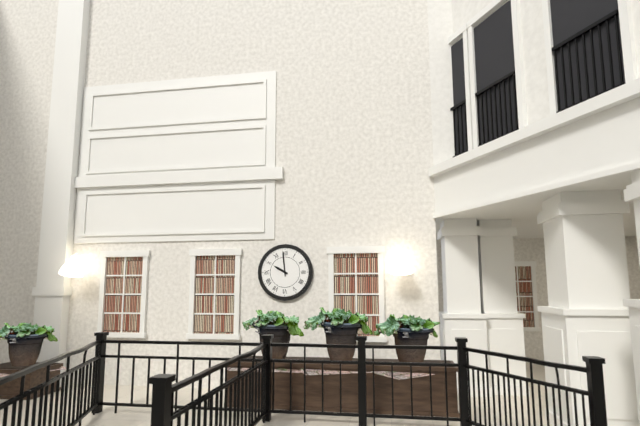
9:59
